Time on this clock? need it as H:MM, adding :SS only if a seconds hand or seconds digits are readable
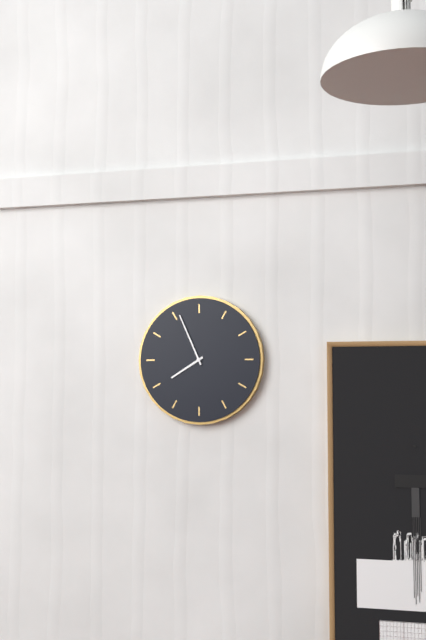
7:56
